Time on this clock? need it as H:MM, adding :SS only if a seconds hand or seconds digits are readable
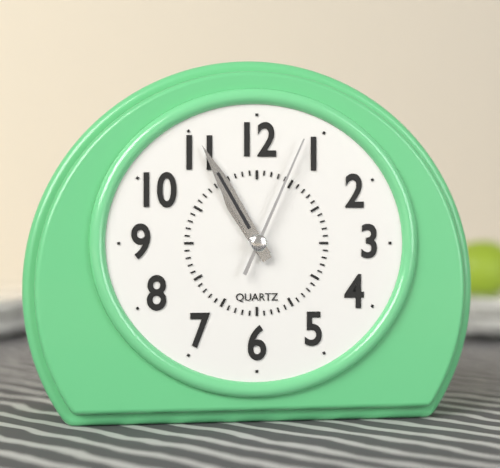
10:55:04
